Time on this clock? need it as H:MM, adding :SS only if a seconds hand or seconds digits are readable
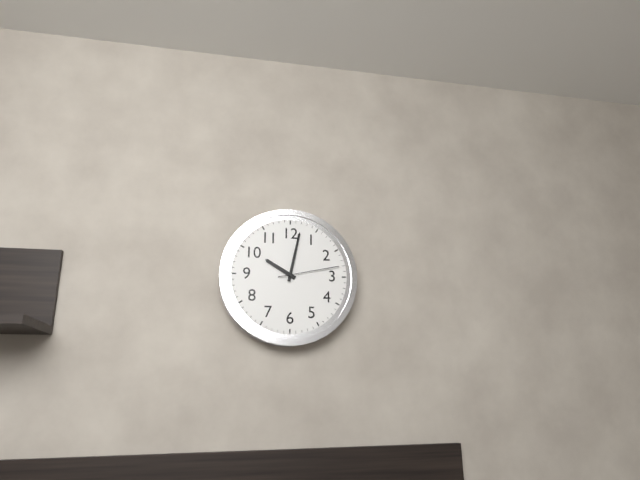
10:02:13
